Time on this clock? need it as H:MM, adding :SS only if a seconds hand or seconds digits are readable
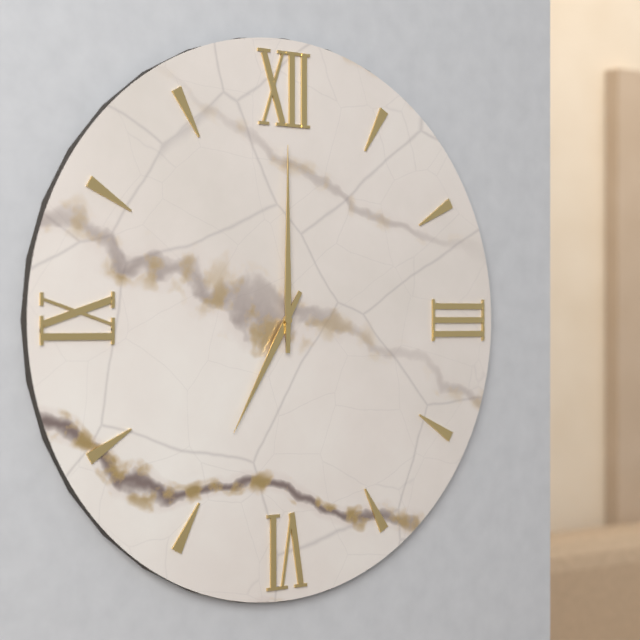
7:00
